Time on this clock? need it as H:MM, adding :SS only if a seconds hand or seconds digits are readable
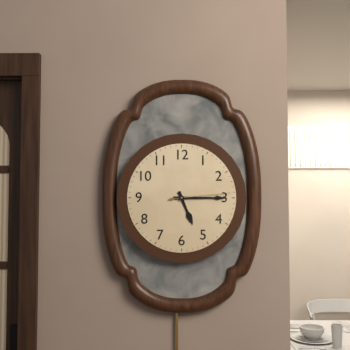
5:15:14
